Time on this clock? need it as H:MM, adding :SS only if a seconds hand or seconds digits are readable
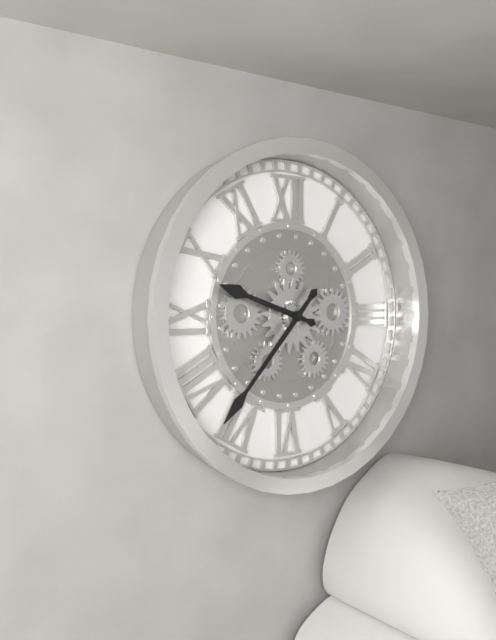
9:37
